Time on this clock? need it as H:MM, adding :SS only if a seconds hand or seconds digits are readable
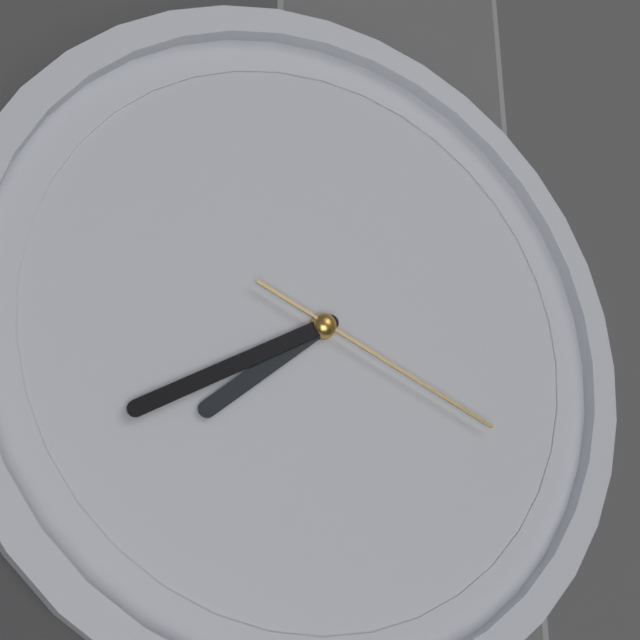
7:40:19
